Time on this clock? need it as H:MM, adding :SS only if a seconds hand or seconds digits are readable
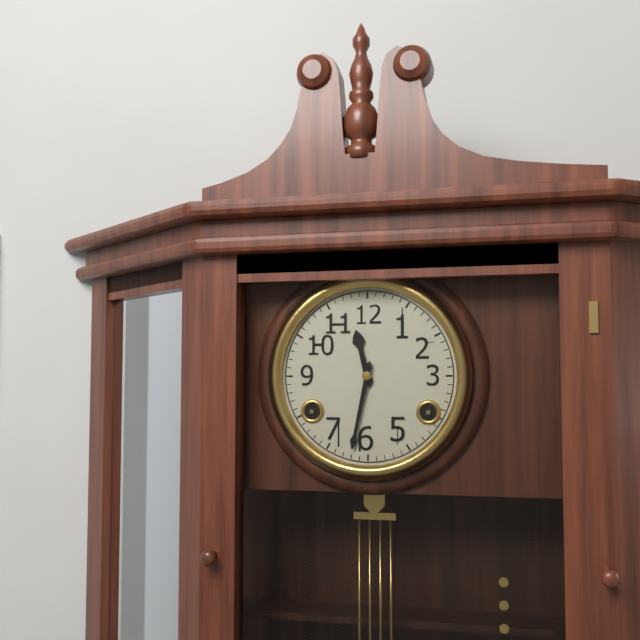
11:32
